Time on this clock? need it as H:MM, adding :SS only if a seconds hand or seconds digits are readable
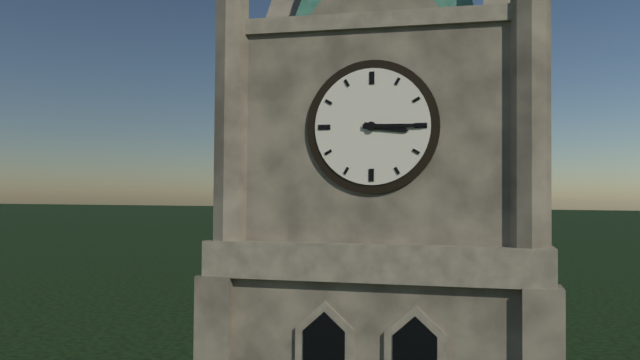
3:15
